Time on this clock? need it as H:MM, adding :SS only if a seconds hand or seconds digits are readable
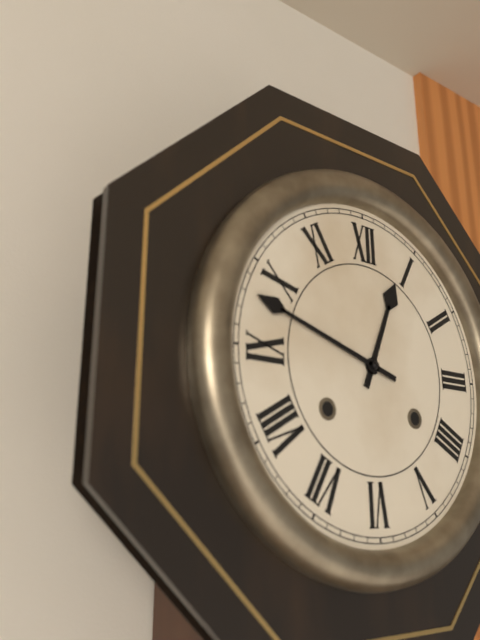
12:48
